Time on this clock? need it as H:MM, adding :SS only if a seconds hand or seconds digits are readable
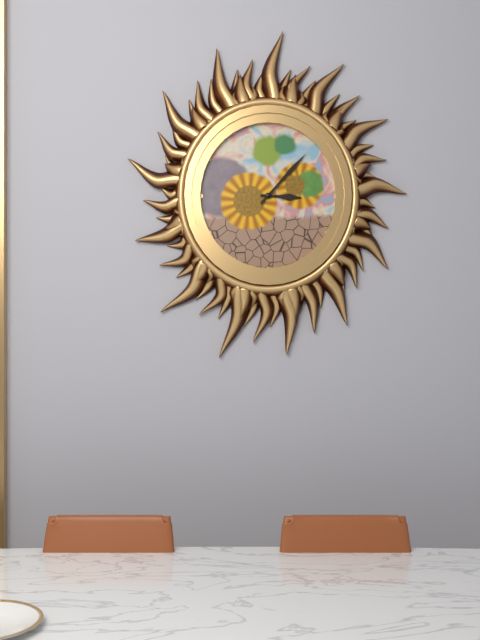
3:07
